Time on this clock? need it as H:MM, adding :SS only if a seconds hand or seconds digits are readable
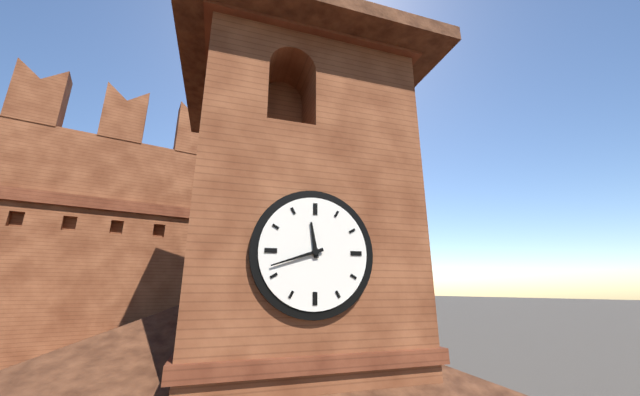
11:42
